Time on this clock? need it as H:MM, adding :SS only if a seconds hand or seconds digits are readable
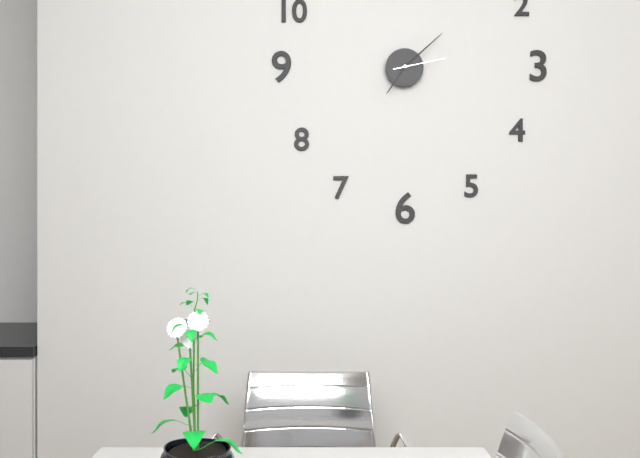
7:08:13
